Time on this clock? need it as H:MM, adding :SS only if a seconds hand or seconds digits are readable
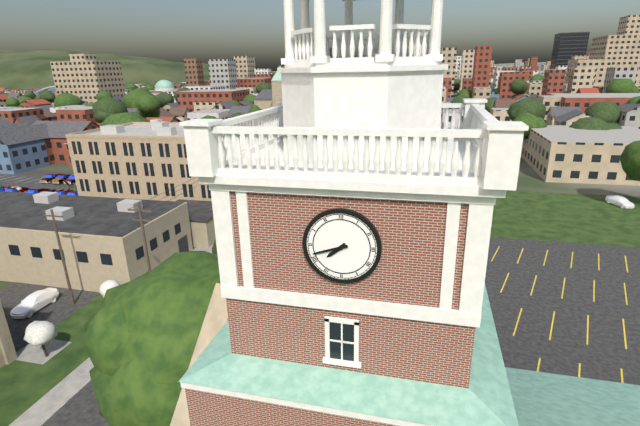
7:42
